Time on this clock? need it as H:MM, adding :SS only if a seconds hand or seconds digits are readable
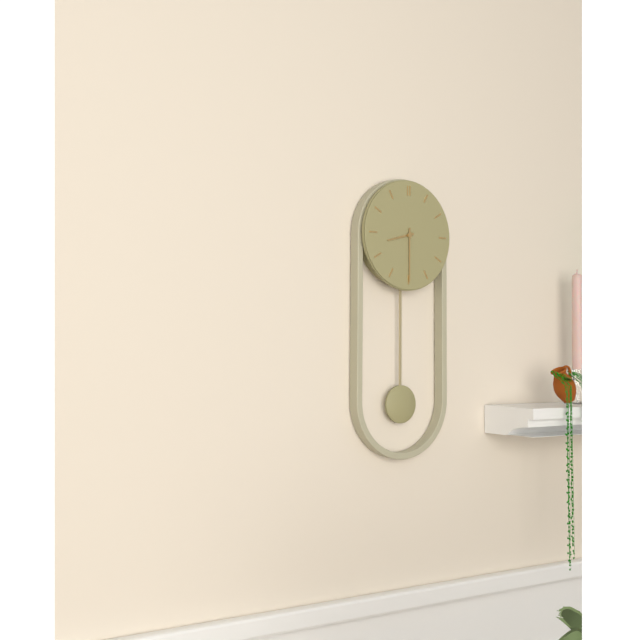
8:30
